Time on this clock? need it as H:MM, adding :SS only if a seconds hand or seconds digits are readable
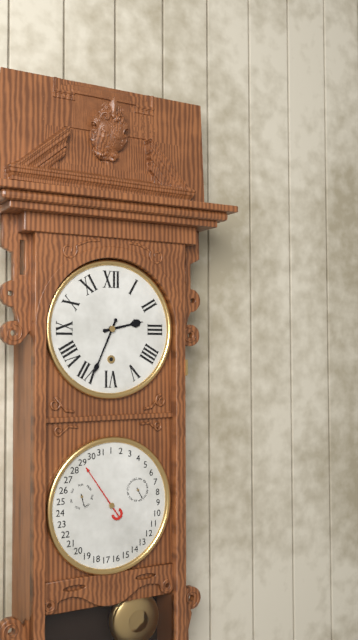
2:34
